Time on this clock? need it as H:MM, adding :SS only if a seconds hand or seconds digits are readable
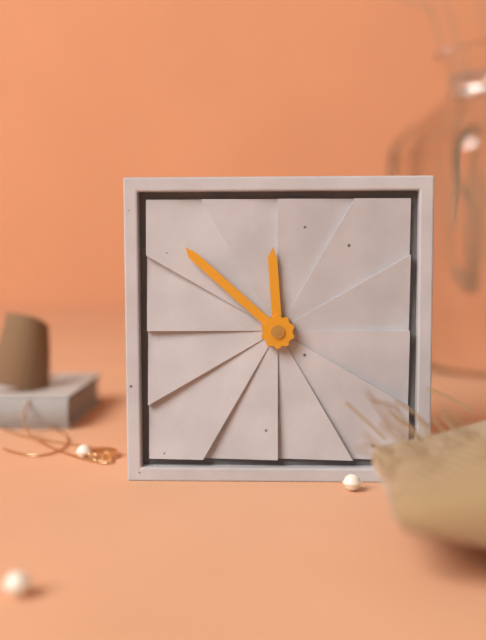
11:52
